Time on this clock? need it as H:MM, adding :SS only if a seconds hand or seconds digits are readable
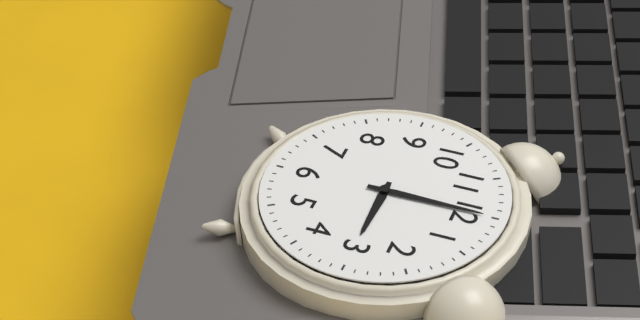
3:00
